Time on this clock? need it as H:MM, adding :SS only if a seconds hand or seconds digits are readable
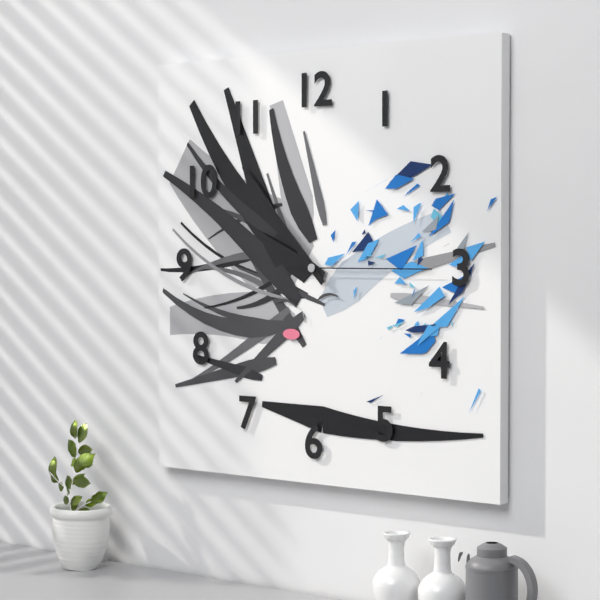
9:53:15
